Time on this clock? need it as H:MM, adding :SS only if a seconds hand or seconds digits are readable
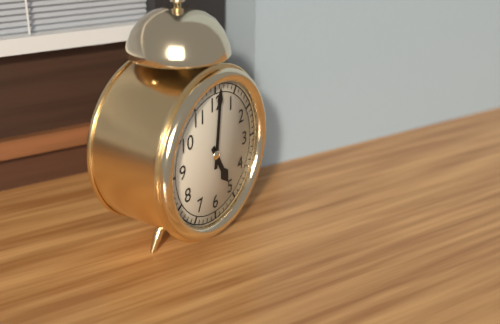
5:01
